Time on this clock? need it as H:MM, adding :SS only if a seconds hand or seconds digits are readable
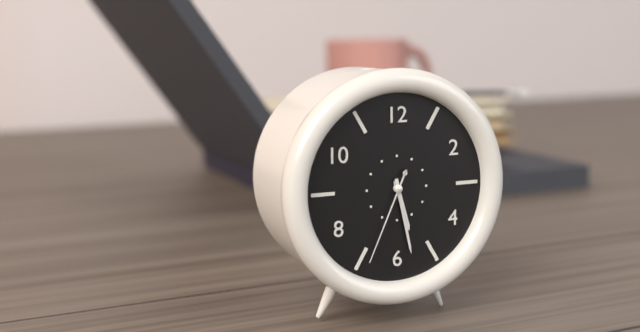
5:28:34
